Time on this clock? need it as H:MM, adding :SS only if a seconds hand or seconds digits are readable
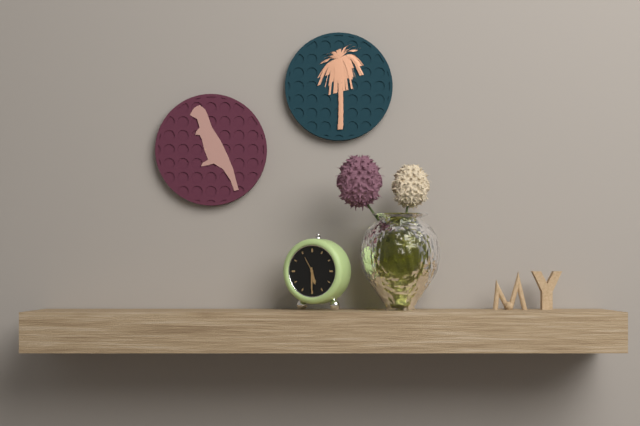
5:30
